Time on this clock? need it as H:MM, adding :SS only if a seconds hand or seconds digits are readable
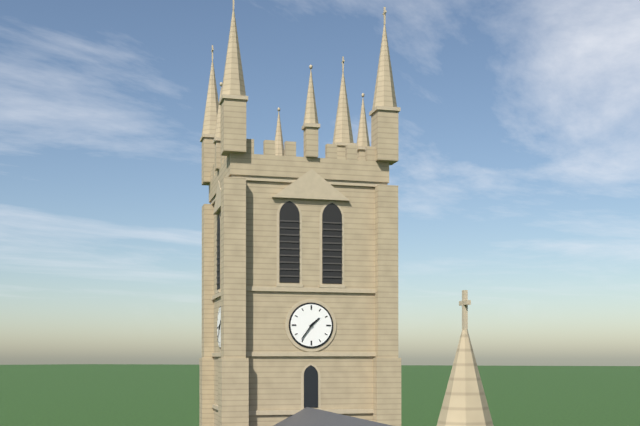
1:36
